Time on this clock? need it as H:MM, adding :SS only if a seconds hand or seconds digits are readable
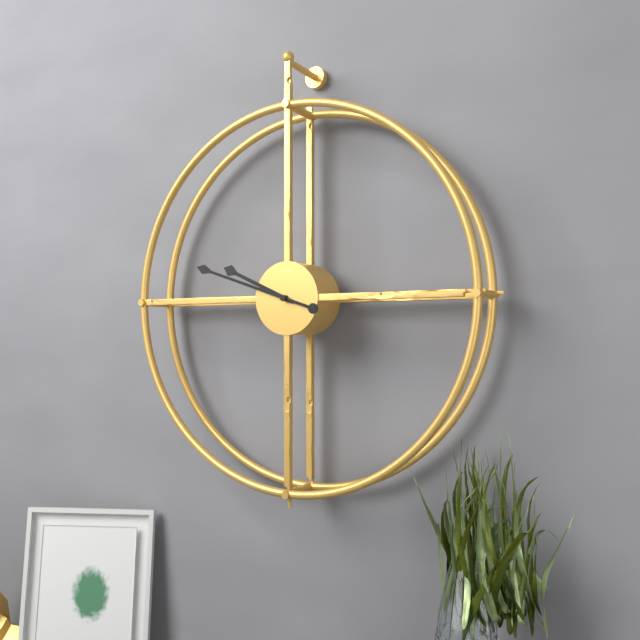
9:48
